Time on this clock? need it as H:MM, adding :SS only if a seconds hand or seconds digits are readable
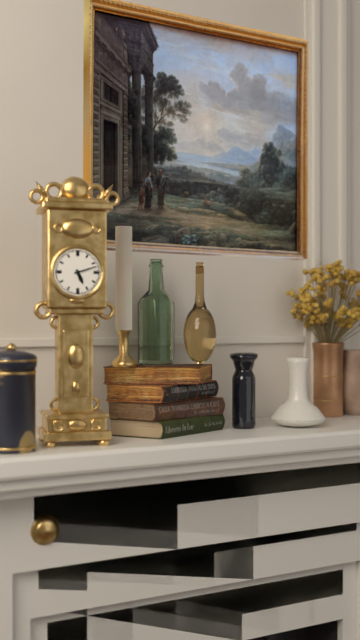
5:12
